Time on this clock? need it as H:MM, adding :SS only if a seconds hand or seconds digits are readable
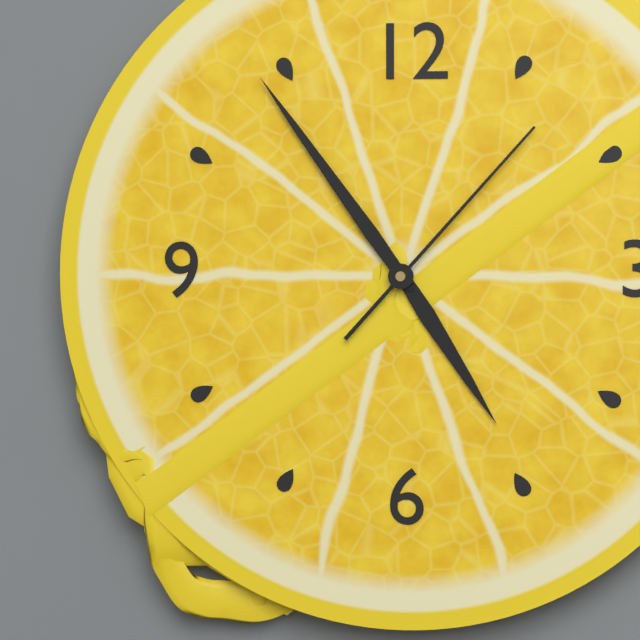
4:54:07
